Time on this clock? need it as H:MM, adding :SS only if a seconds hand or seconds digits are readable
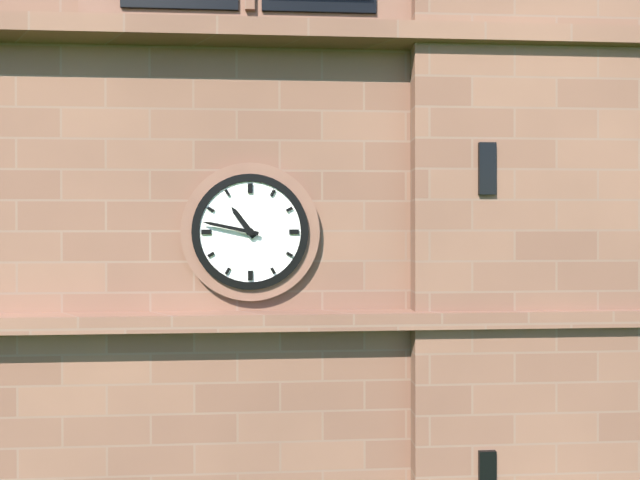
10:47
